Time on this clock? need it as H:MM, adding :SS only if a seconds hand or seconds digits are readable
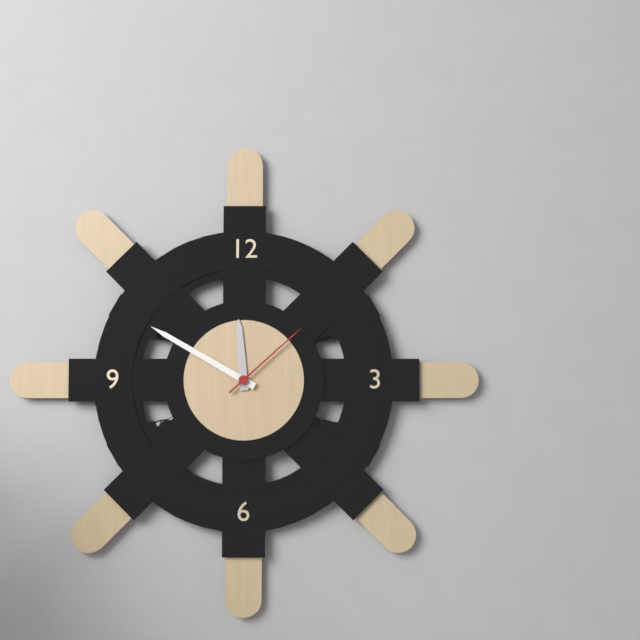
11:50:08
